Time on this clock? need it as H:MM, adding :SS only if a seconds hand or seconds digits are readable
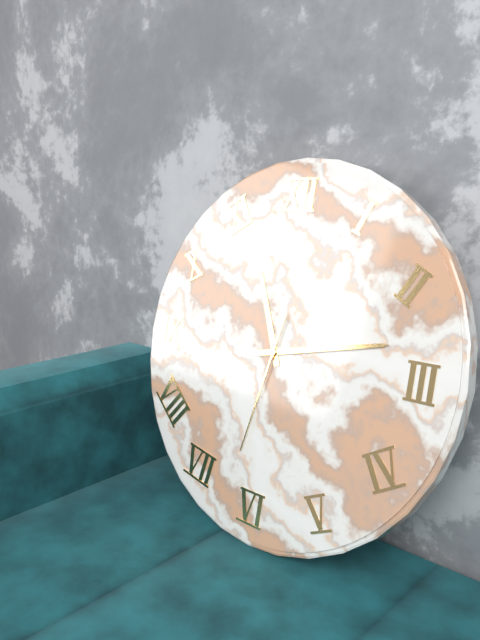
11:13:32
